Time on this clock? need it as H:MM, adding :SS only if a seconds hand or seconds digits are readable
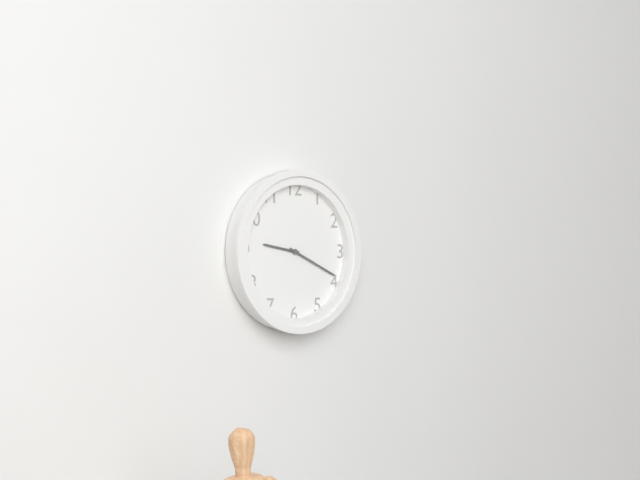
9:19
